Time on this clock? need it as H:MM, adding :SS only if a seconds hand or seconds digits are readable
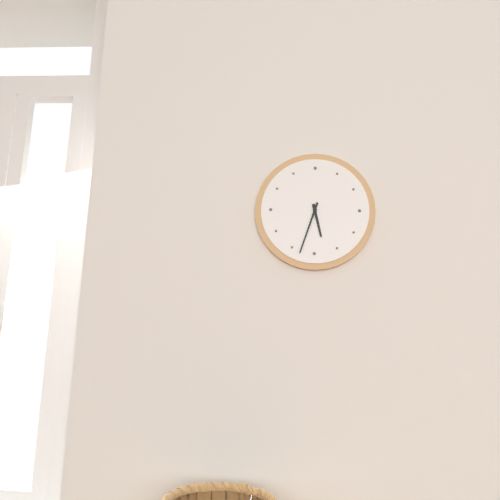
5:33
